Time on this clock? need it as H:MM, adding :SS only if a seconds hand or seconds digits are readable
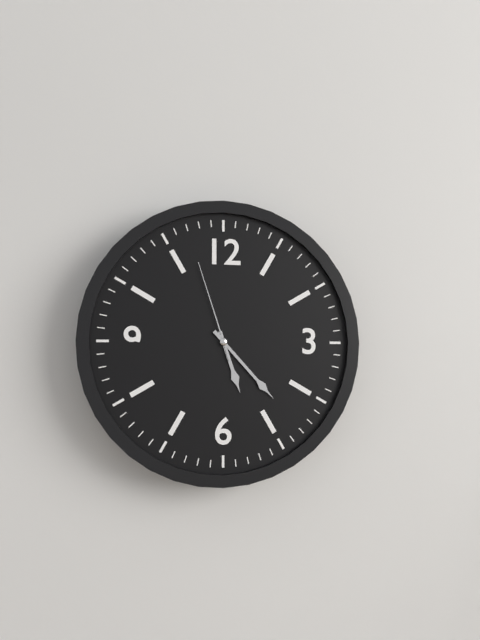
5:23:57
